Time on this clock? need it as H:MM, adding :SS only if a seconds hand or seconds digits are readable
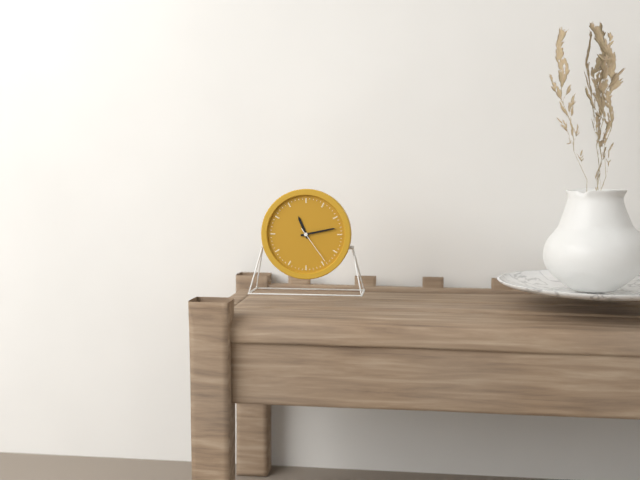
11:13
